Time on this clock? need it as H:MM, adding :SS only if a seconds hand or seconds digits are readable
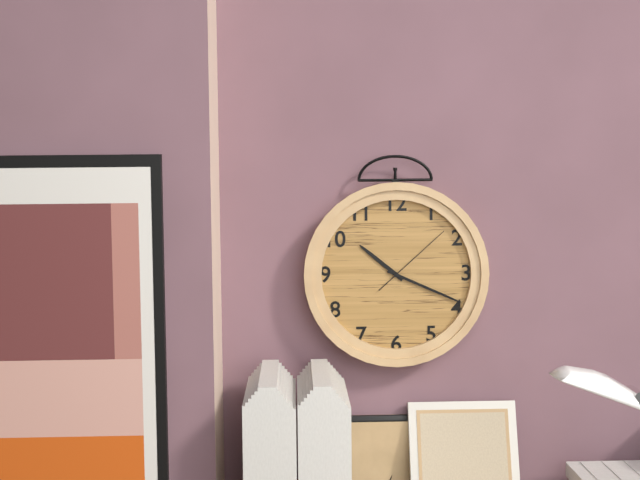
10:19:08
